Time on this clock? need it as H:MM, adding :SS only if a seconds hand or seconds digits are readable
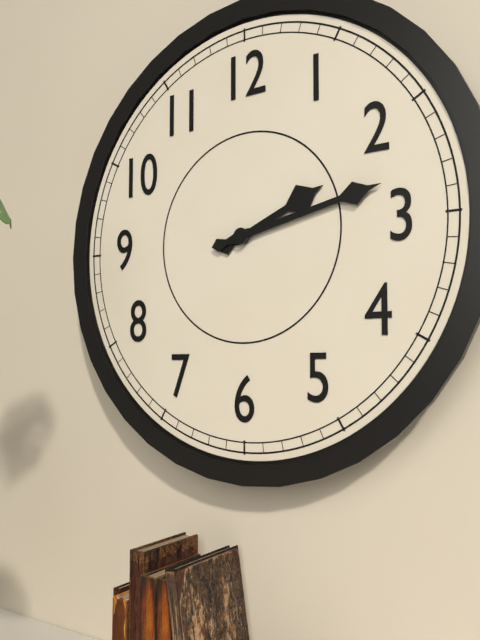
2:13
